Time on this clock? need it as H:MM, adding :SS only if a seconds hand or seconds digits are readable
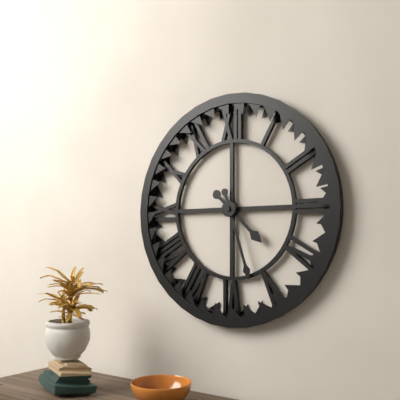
4:27
